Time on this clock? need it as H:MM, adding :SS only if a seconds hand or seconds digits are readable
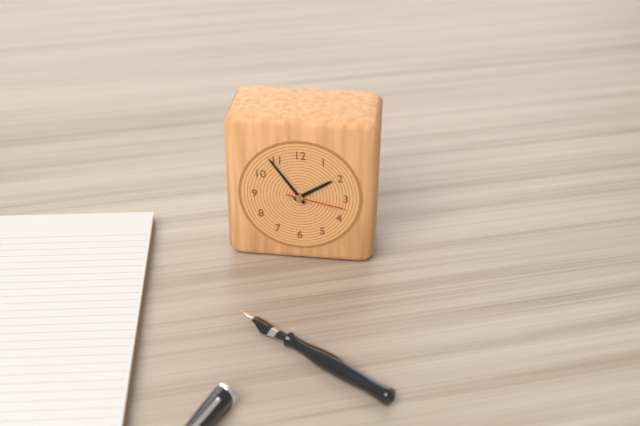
1:54:17
